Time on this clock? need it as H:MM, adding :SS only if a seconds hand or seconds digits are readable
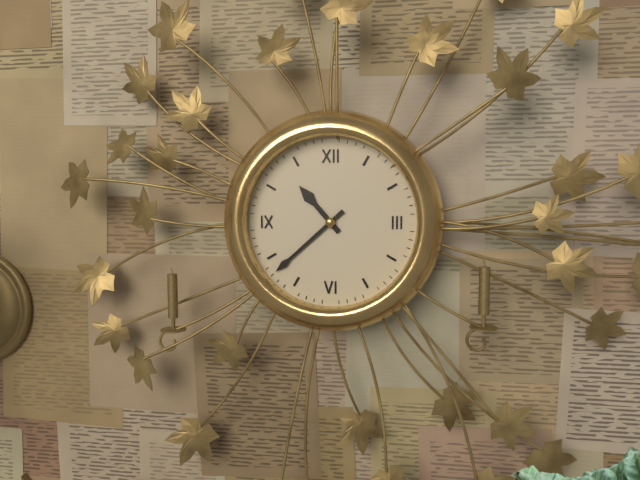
10:38
